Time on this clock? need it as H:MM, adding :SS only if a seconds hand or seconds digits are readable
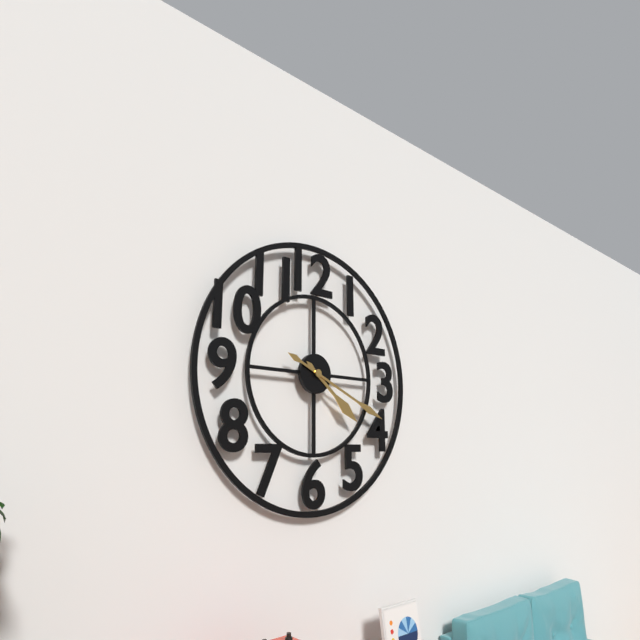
4:19
